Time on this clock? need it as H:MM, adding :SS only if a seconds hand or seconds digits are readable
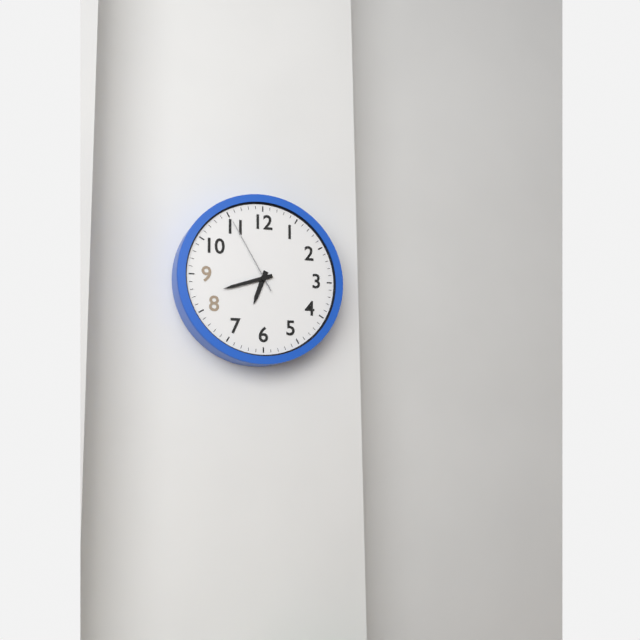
6:42:55
